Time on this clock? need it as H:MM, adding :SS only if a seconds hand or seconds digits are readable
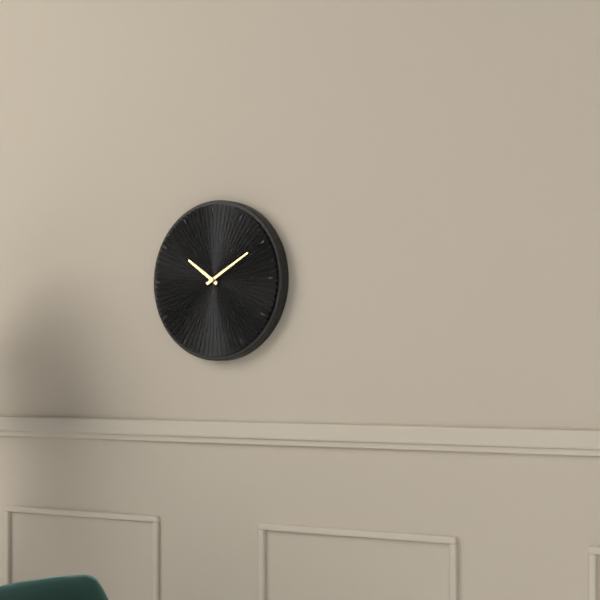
10:10
